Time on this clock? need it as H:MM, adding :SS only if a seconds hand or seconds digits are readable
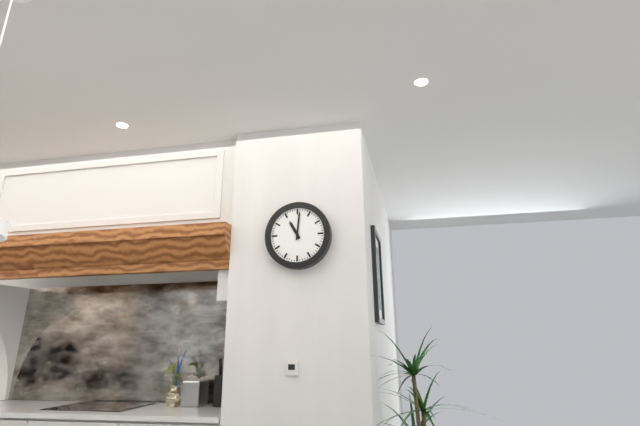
11:01
